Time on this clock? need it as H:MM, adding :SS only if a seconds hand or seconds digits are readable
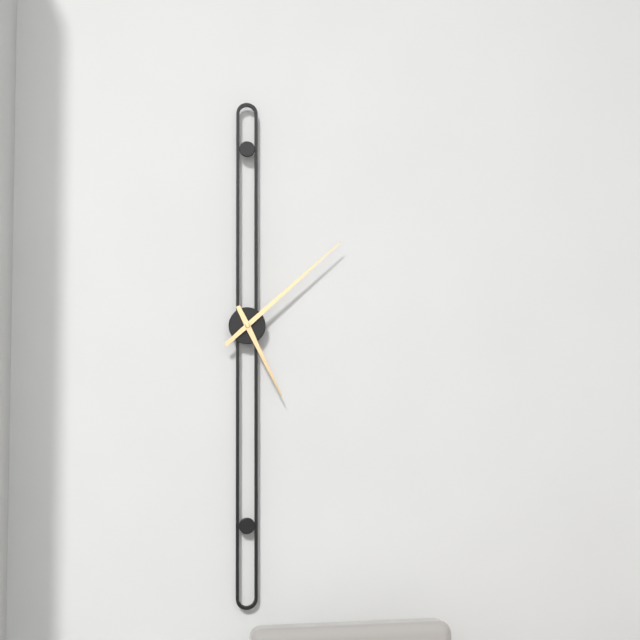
5:08
